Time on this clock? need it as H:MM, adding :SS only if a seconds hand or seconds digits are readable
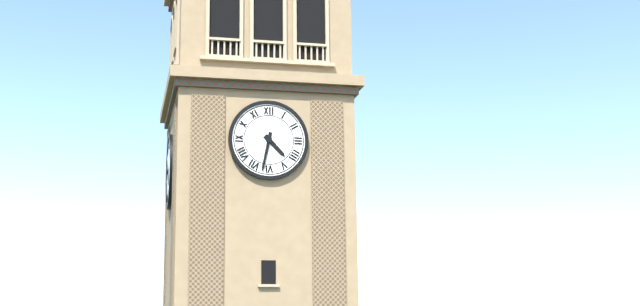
4:32
